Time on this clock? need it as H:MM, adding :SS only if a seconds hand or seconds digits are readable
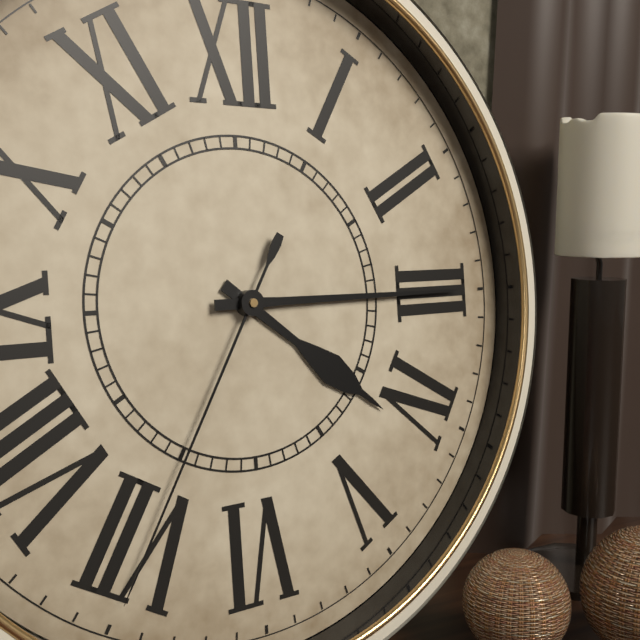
4:15:35
